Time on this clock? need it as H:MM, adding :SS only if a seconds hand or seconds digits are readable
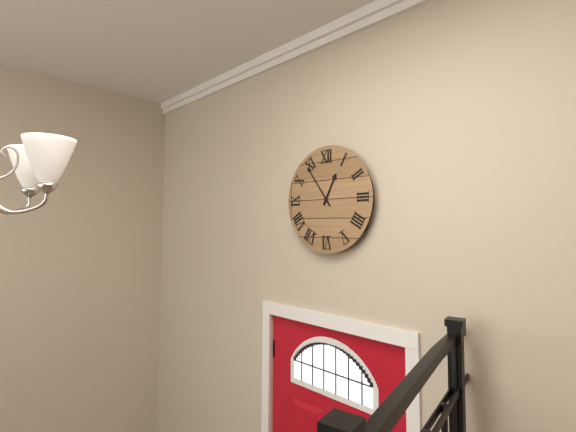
12:54
